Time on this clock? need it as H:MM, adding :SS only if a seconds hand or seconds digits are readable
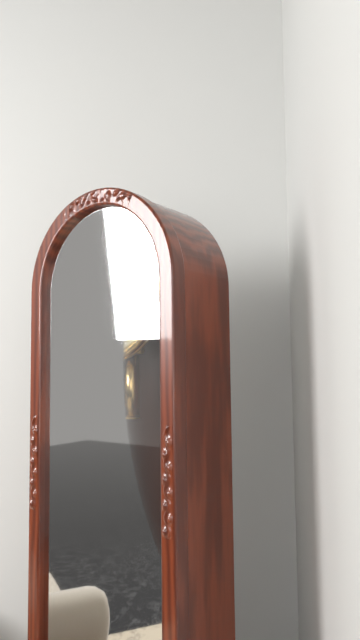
12:55
